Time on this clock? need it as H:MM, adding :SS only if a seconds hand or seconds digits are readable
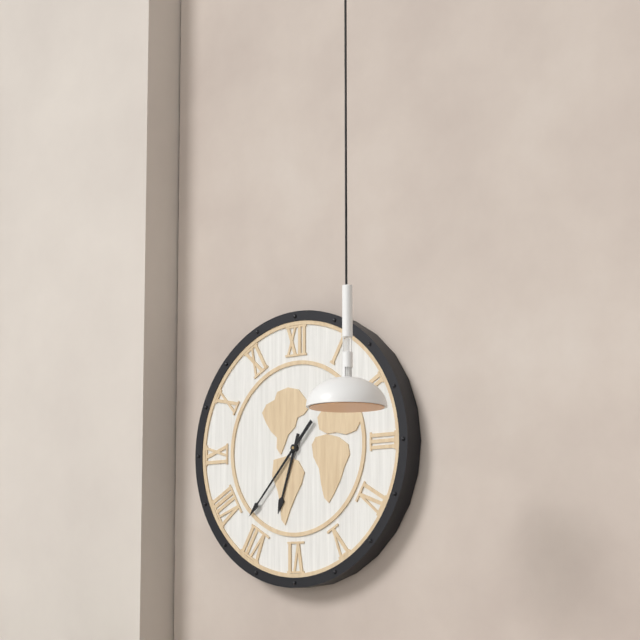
6:37
